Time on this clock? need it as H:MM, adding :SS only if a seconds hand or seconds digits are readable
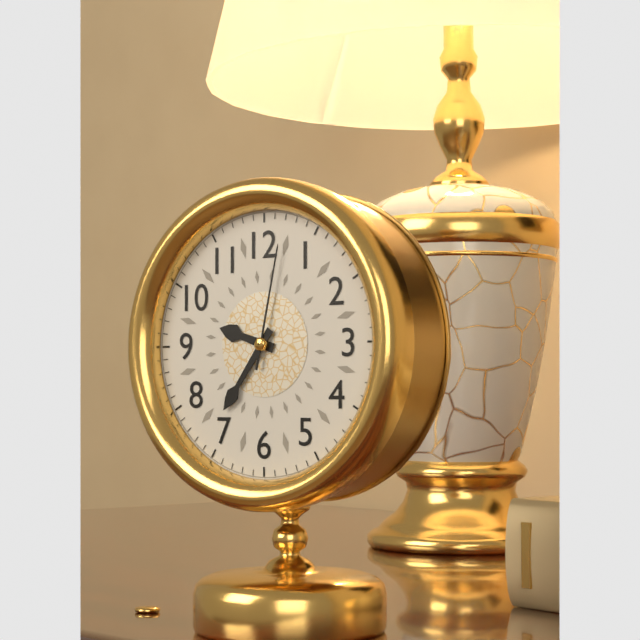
9:36:02
